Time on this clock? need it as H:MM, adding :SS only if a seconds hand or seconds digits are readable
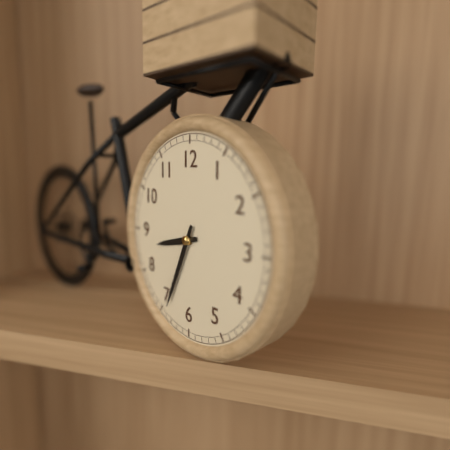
8:34
